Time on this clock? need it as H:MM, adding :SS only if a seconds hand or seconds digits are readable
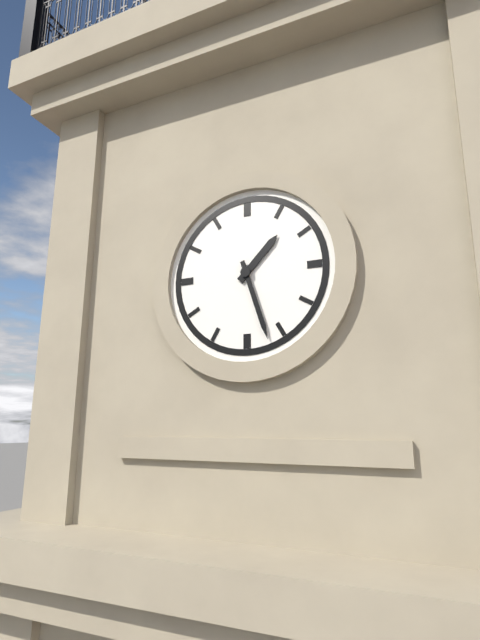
1:27
